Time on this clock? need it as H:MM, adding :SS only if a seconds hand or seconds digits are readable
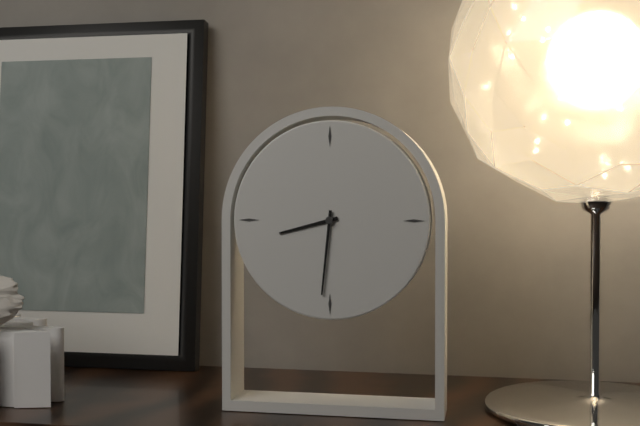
8:31
